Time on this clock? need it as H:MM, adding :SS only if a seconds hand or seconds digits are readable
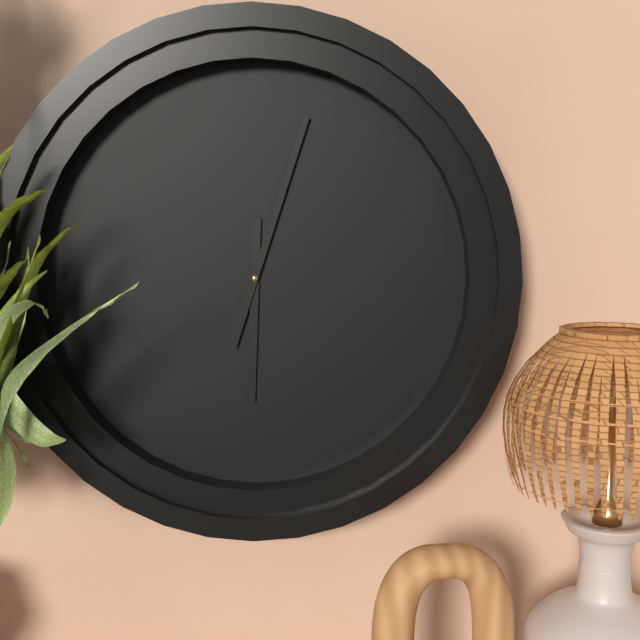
6:03
